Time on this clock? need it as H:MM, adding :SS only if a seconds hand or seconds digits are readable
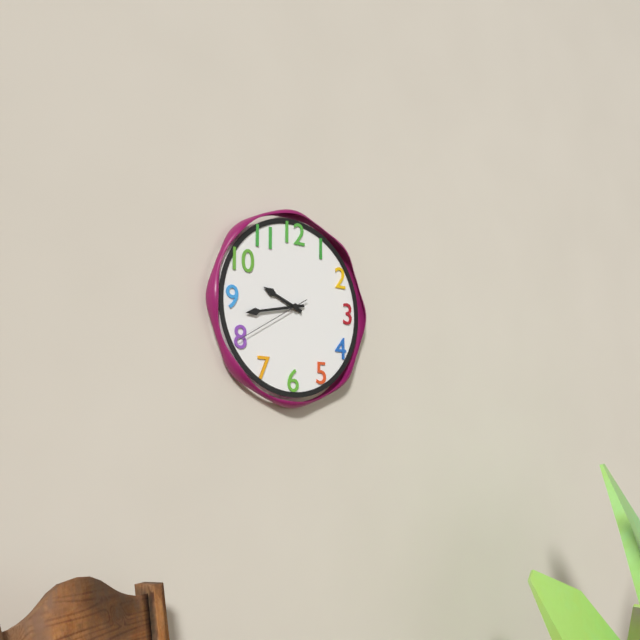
9:43:40
